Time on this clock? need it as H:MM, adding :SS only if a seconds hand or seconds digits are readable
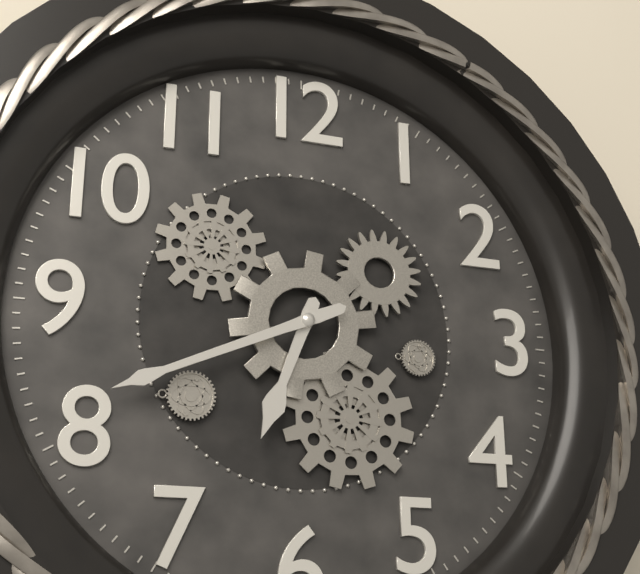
6:41
